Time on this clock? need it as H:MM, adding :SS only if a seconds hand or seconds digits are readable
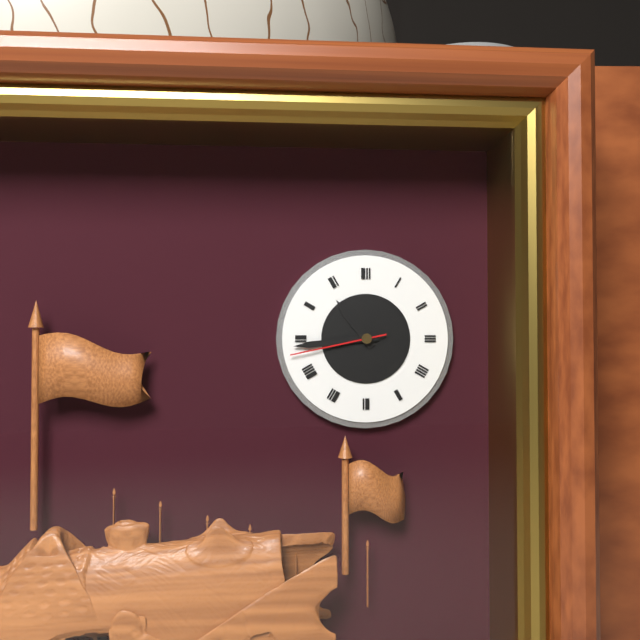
10:44:43
